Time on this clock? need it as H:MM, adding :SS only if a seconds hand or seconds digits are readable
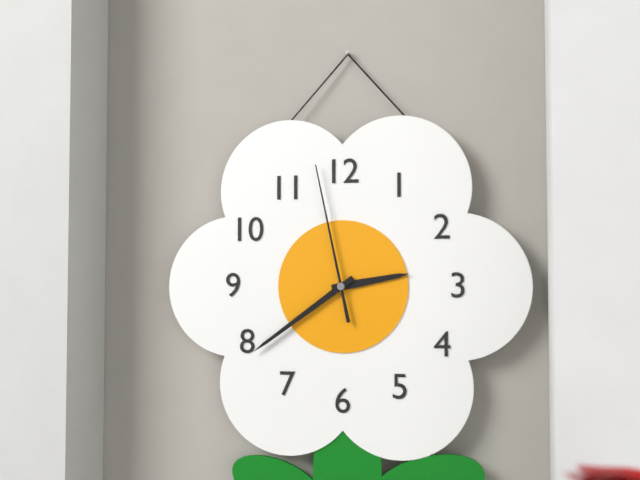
2:39:58
